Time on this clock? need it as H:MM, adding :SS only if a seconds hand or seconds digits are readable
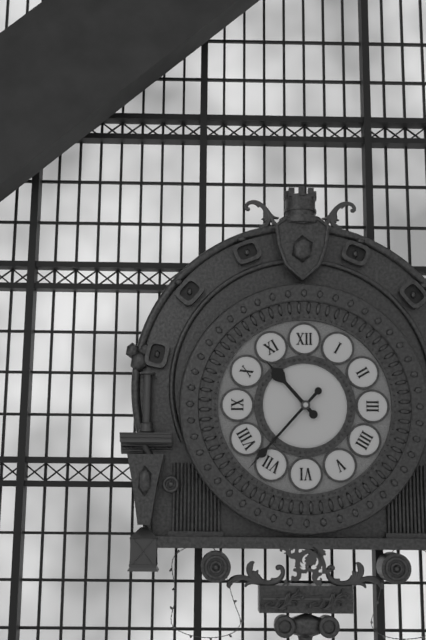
10:37
